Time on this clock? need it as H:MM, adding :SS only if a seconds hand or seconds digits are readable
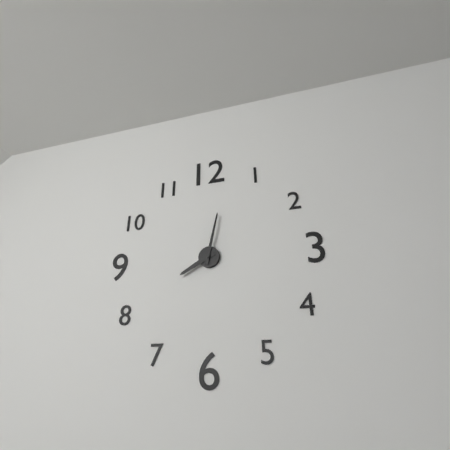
8:02
